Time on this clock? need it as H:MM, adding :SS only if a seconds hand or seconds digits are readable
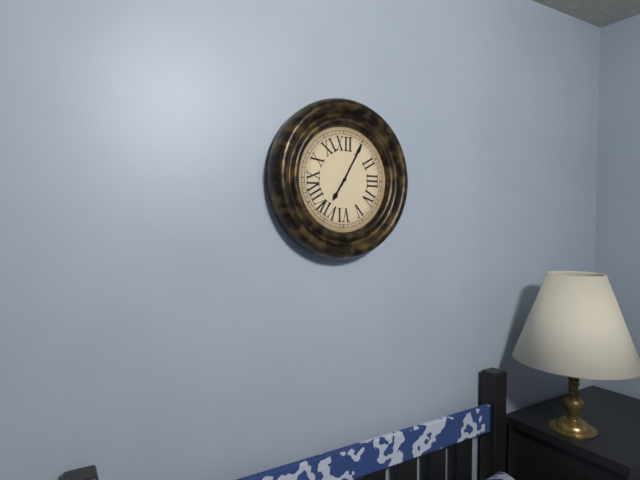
7:05
